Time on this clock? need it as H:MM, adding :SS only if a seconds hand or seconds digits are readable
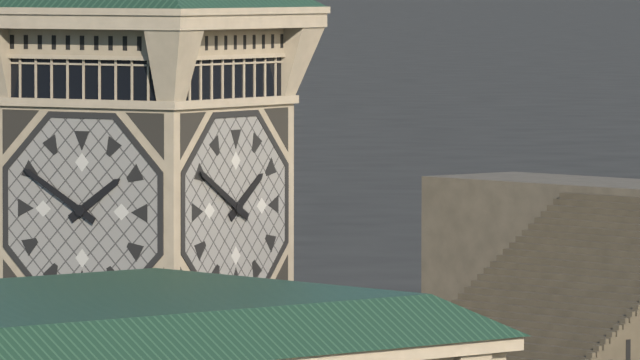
1:50
